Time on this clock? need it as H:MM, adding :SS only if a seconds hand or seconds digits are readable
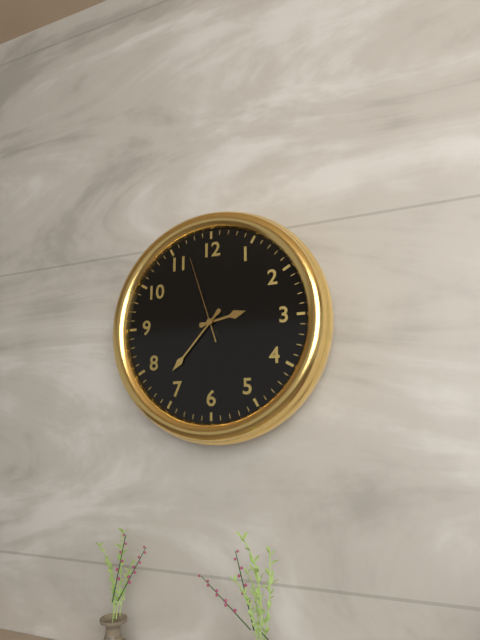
2:37:57
